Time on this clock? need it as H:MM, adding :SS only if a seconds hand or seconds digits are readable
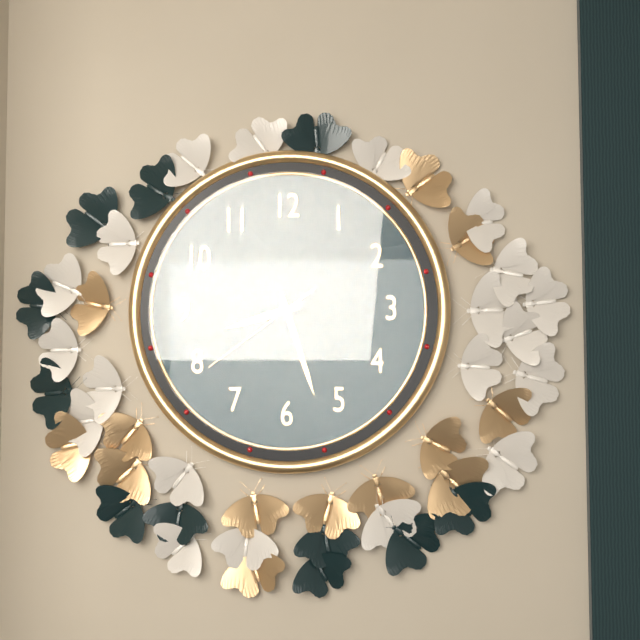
8:27:39
